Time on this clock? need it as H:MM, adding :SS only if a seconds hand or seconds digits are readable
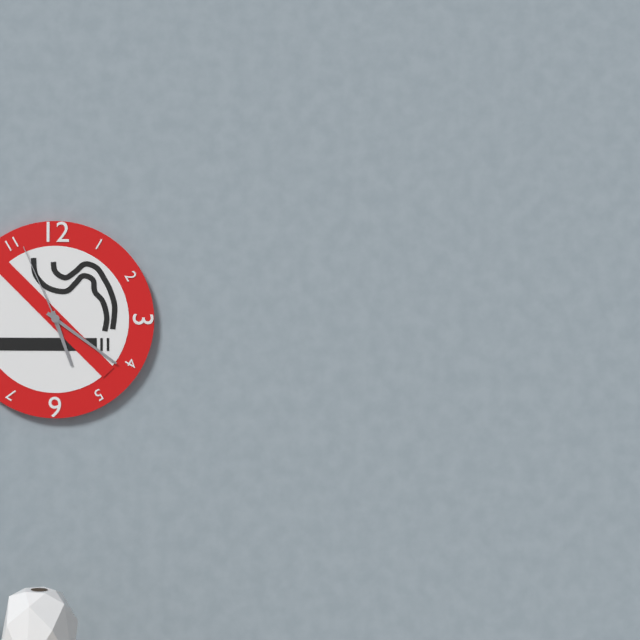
5:21:56
